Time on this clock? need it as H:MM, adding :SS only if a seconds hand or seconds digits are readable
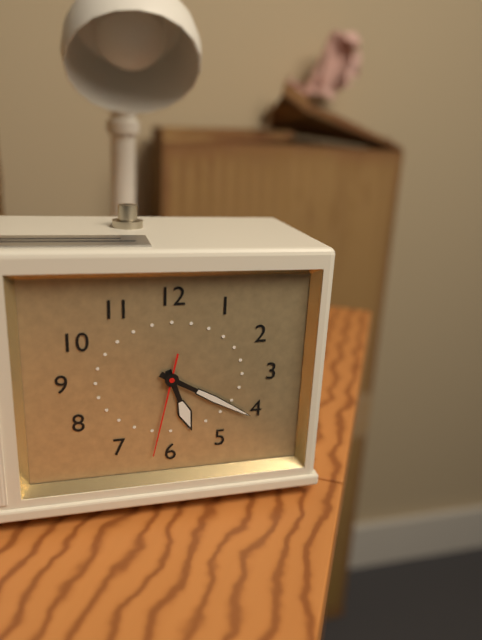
5:20:32
